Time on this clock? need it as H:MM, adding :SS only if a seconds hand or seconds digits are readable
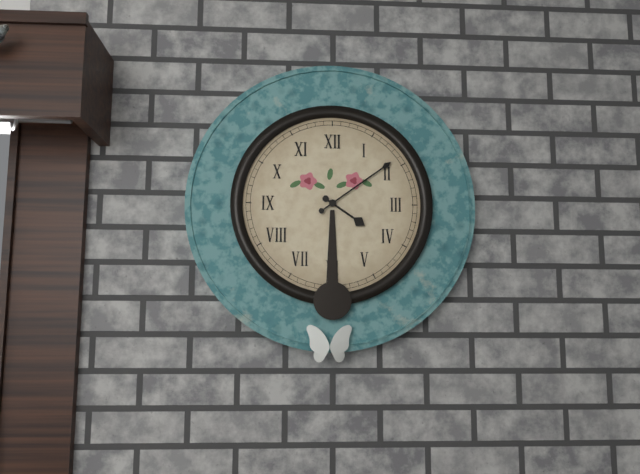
4:09
